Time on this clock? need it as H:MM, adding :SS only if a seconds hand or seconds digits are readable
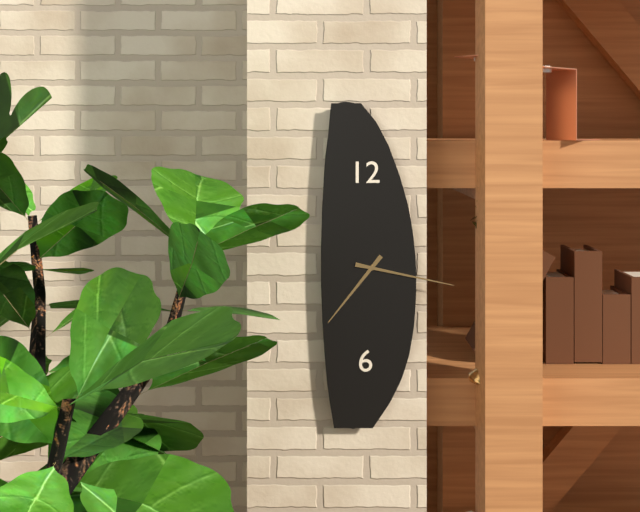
7:17
